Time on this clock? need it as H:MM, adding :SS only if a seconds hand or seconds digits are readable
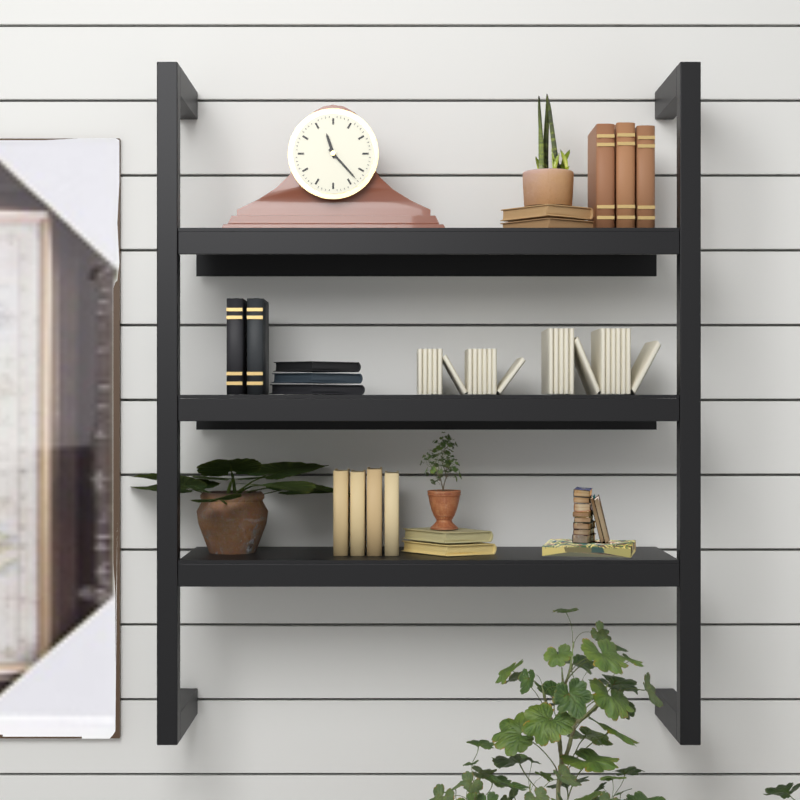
11:23
